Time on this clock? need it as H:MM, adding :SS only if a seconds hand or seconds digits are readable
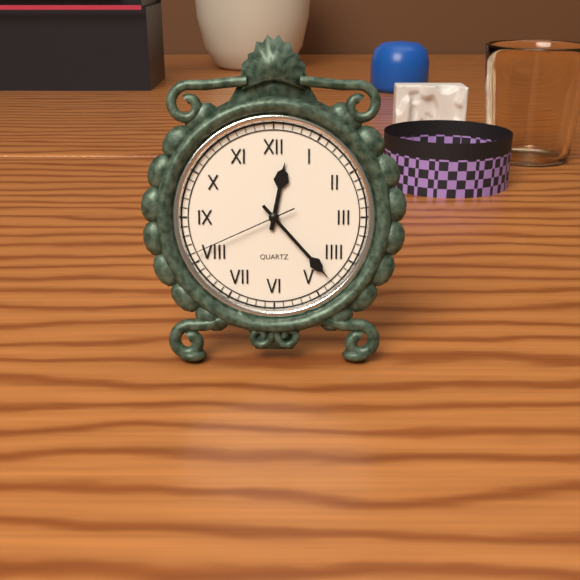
12:23:41
